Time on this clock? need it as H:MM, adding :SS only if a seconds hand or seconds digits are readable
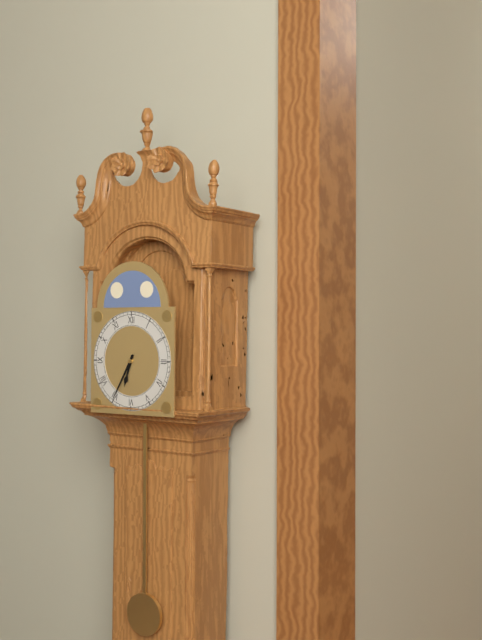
6:35
